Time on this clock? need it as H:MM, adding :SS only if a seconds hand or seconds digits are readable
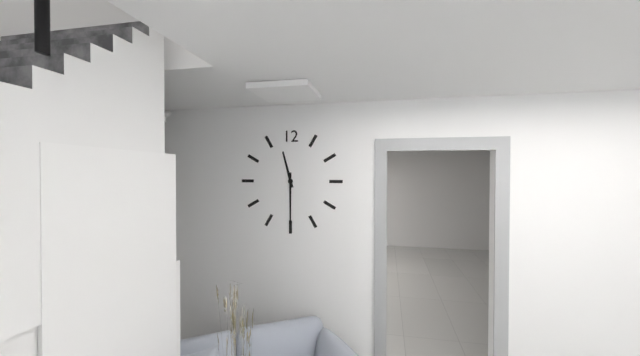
11:30
